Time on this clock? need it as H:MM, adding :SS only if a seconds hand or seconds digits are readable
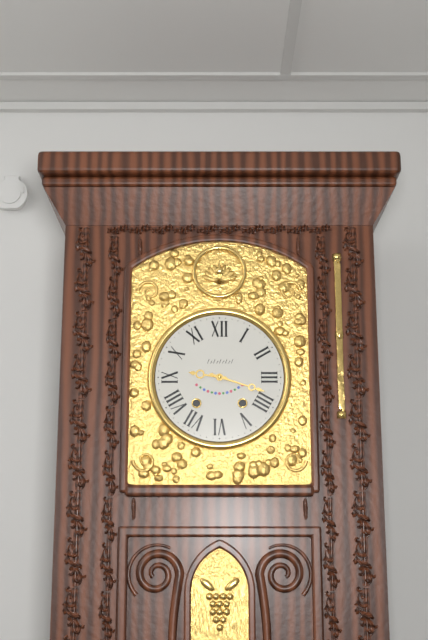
9:18
